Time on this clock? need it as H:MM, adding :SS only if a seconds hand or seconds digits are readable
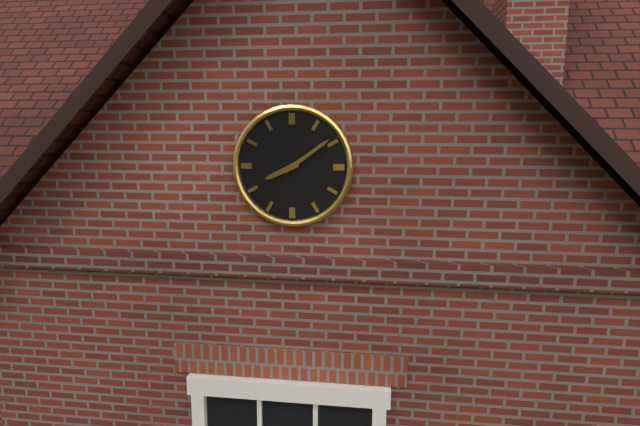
8:09
